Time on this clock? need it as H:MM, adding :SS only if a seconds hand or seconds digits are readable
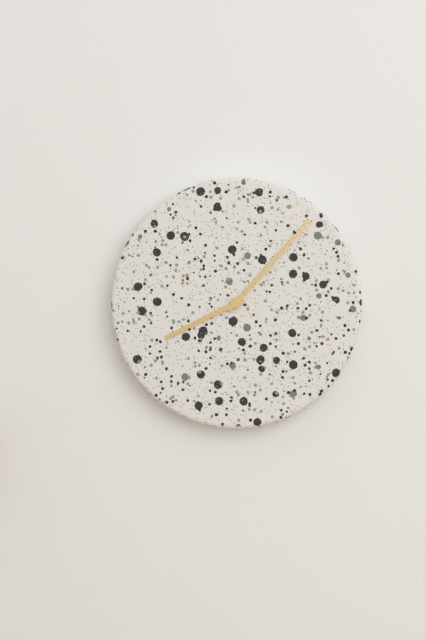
8:07
